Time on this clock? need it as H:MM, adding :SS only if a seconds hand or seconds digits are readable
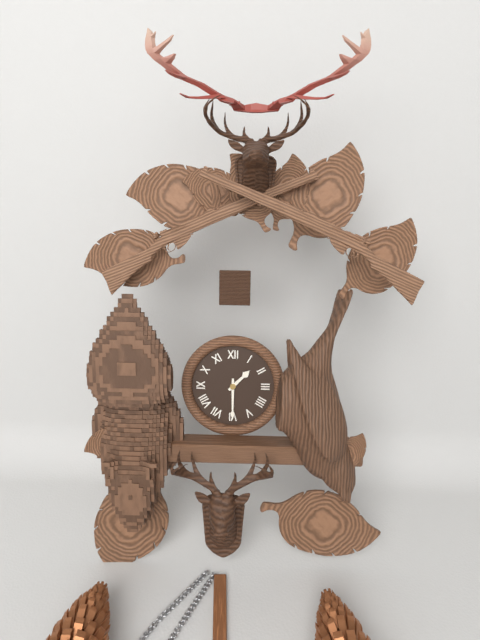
1:30
